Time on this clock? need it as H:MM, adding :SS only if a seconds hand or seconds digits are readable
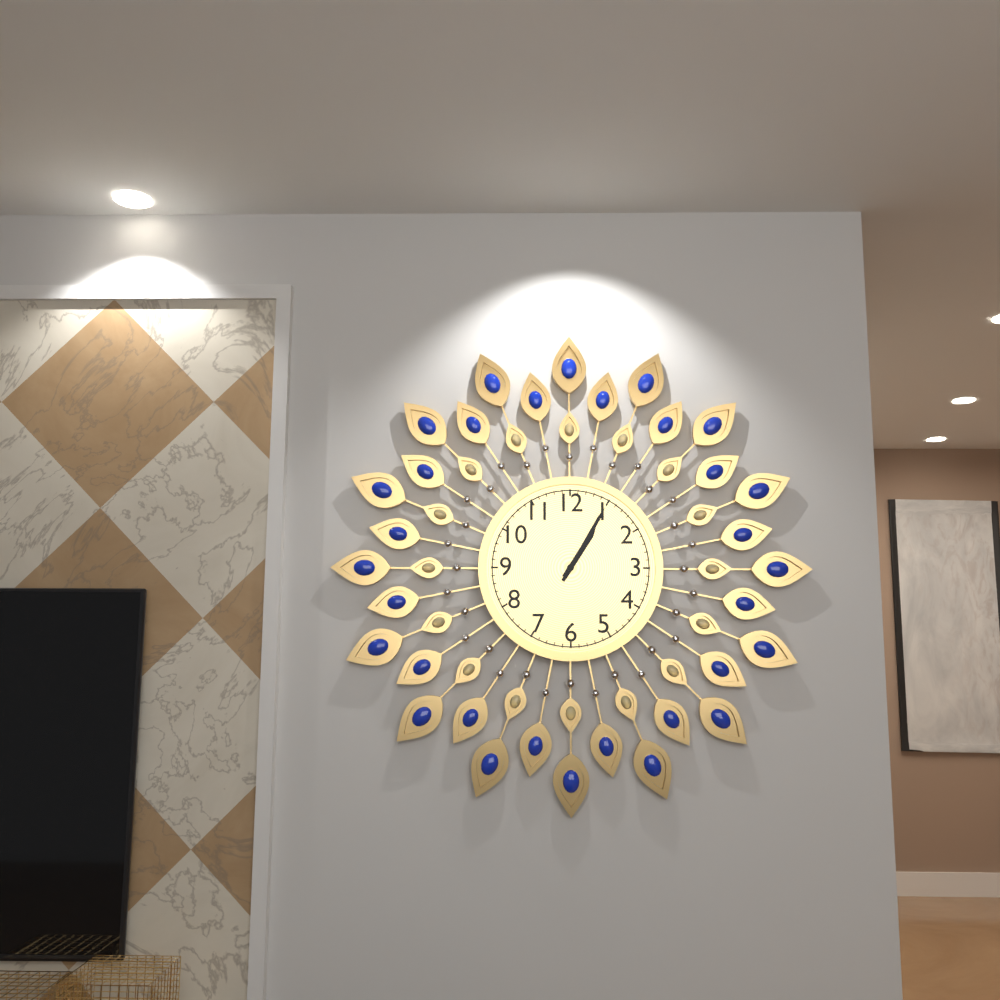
1:05
